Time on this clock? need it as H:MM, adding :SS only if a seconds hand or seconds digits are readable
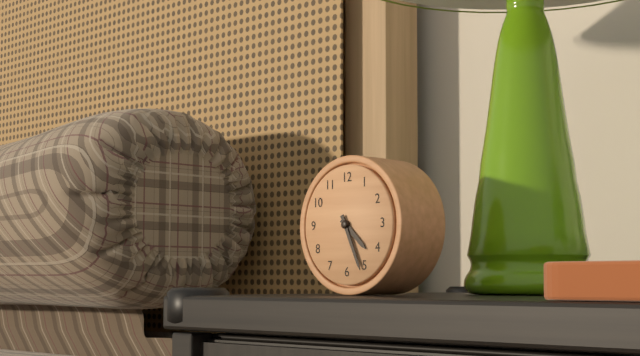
4:26
